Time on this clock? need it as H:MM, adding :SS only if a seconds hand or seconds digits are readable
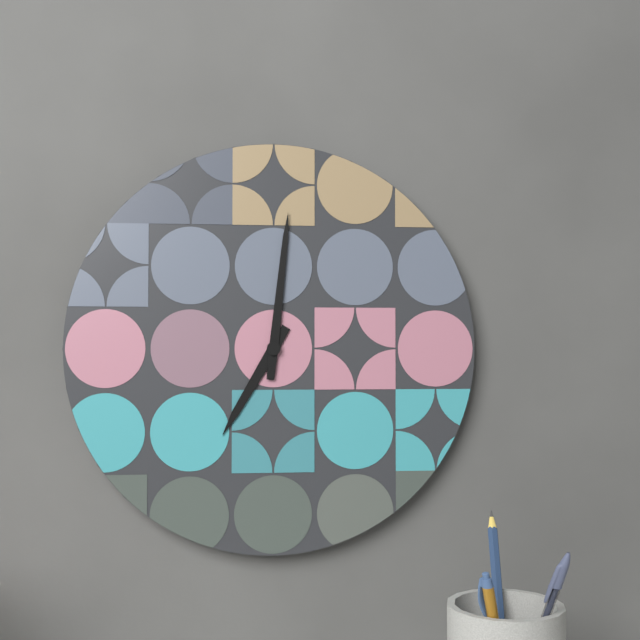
7:01
